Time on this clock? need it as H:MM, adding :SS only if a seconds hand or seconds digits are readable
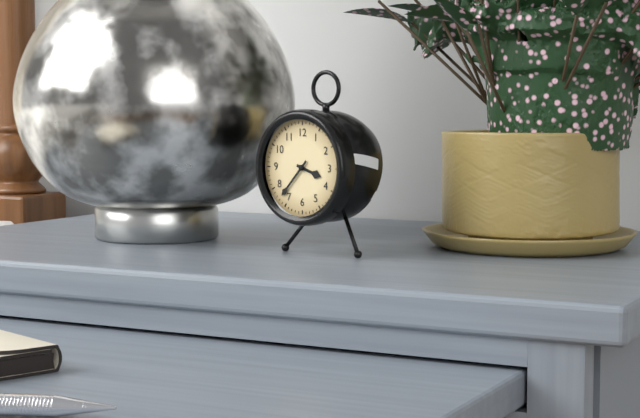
3:37
